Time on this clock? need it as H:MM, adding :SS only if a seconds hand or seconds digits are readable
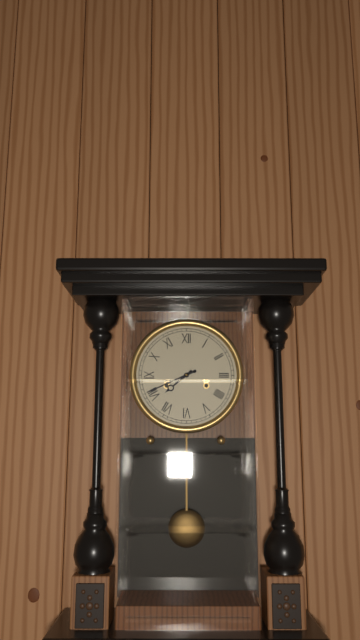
7:41
